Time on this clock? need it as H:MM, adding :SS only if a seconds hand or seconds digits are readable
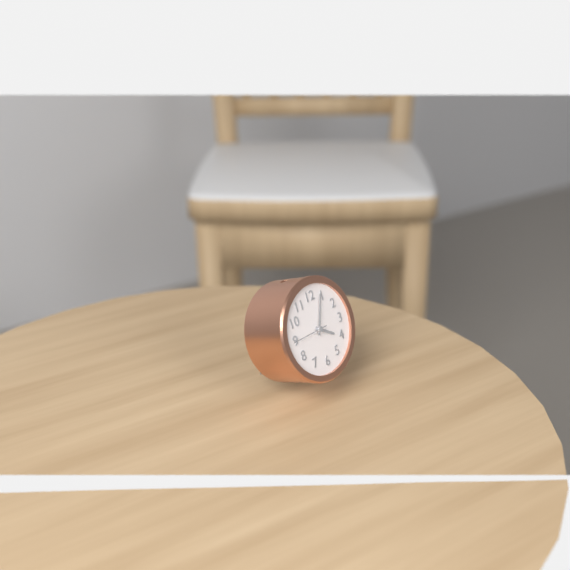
4:04
